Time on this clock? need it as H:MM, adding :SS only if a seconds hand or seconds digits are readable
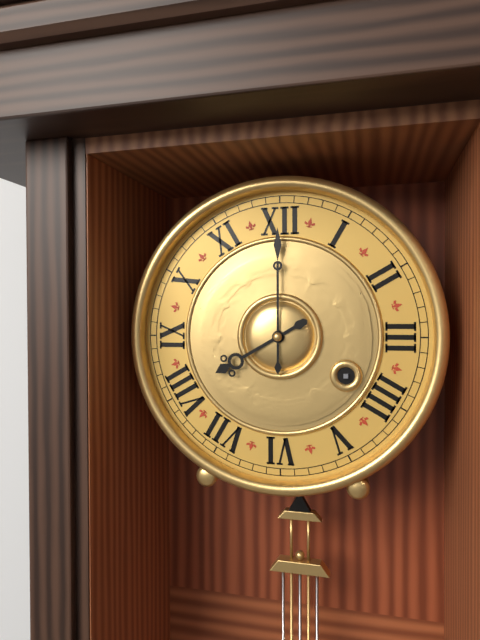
8:00
